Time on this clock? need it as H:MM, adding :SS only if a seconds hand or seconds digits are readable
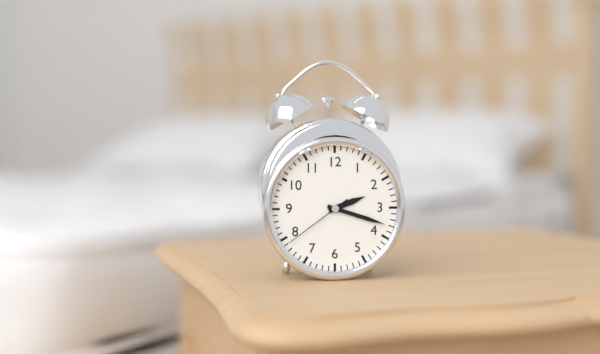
2:18:39
